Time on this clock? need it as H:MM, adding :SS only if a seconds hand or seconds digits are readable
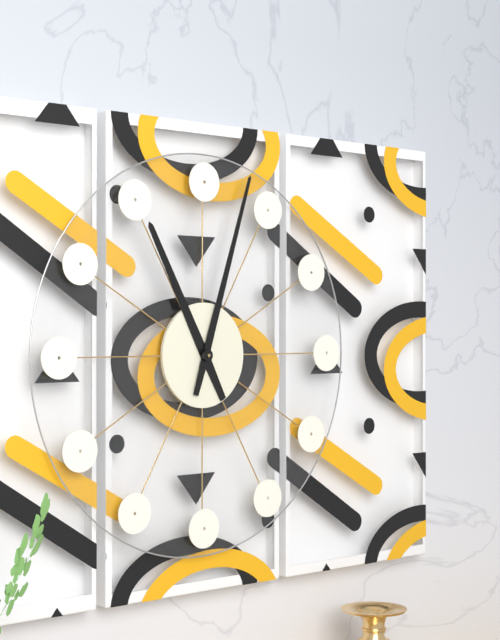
11:03
